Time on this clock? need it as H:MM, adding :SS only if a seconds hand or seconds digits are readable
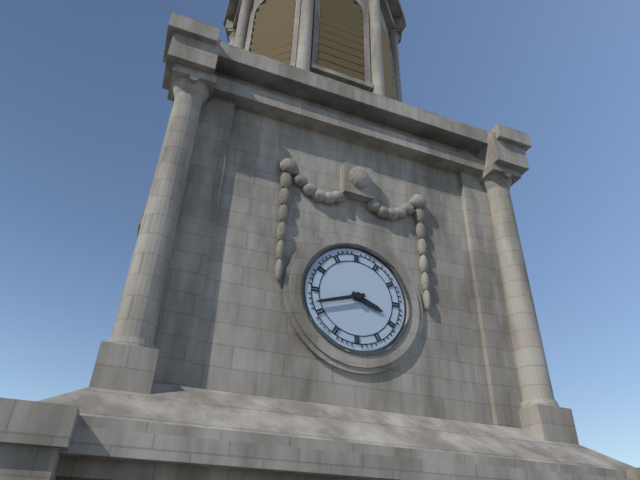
3:42
